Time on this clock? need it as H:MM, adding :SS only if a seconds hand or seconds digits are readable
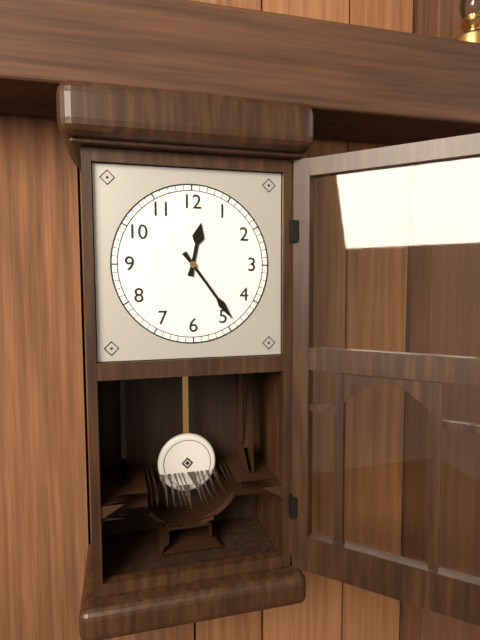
12:24
